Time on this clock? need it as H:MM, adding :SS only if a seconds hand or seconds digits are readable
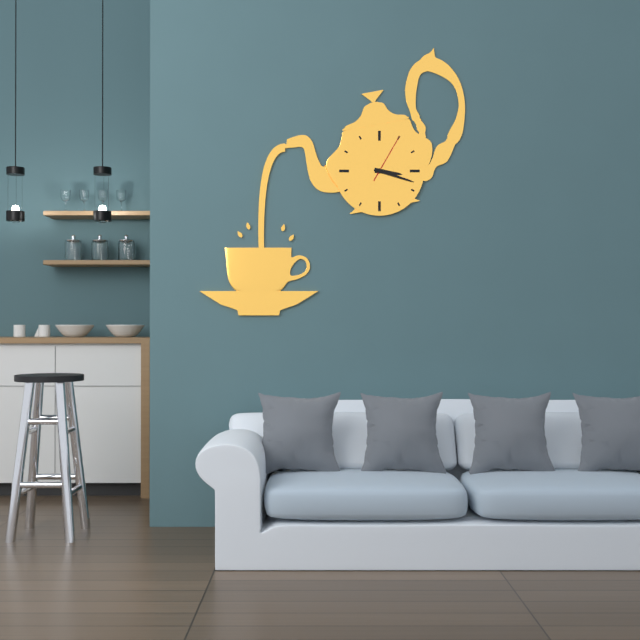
3:18:05
